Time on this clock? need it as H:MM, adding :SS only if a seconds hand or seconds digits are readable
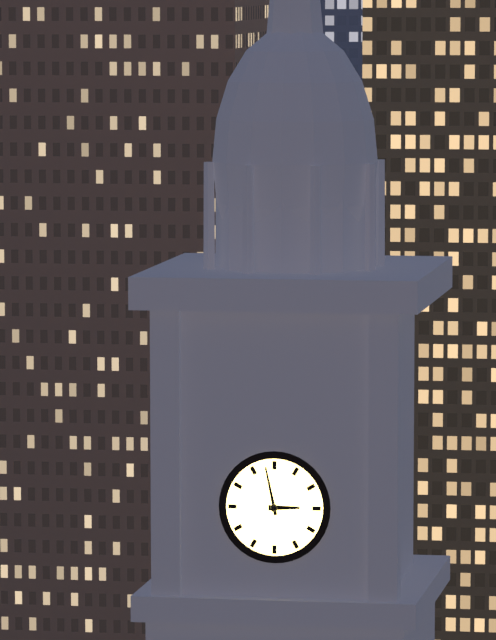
2:58
